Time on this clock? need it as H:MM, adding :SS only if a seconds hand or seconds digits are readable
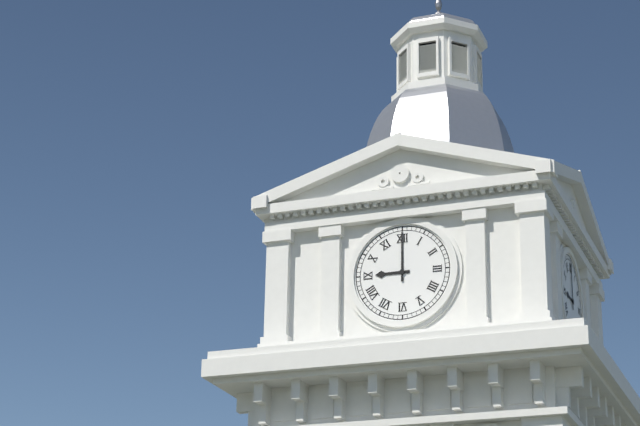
9:00
